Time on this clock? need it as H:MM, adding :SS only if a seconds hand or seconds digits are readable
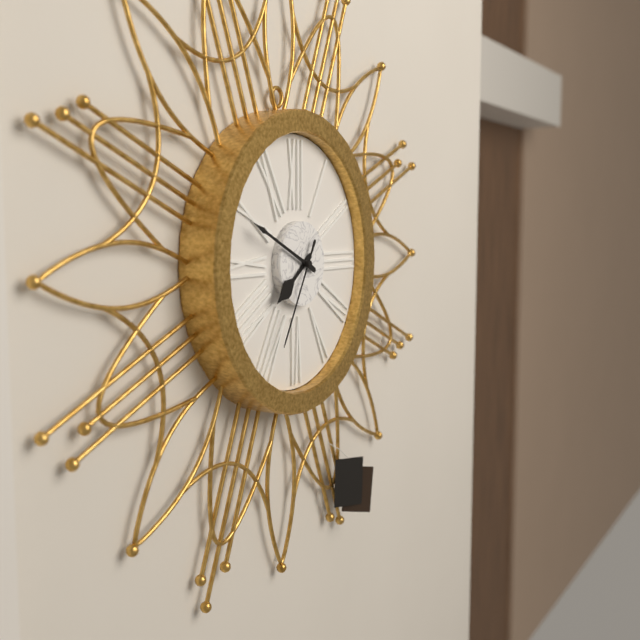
7:49:35
